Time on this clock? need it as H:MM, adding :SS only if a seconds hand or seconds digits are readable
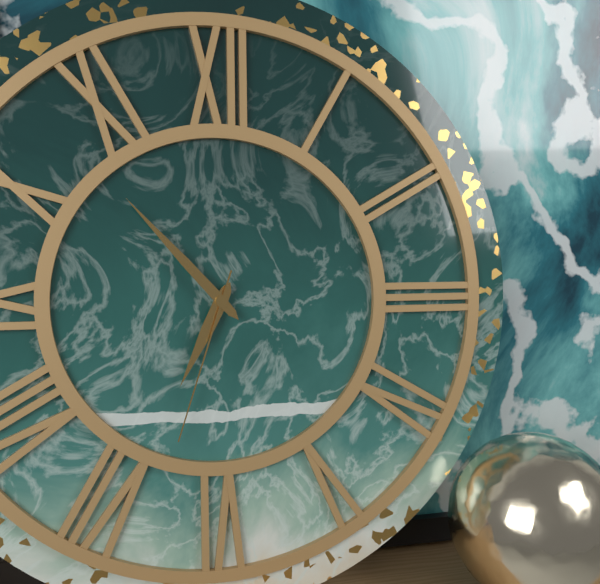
6:53:33
